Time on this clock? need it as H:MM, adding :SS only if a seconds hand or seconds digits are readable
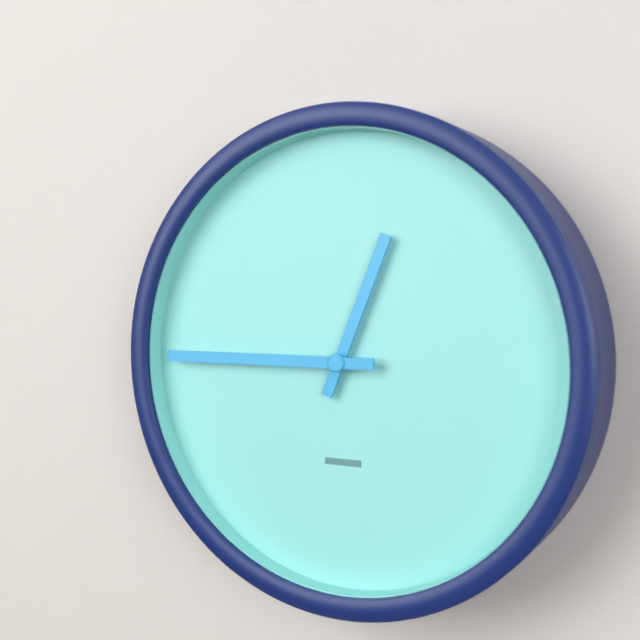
12:45
